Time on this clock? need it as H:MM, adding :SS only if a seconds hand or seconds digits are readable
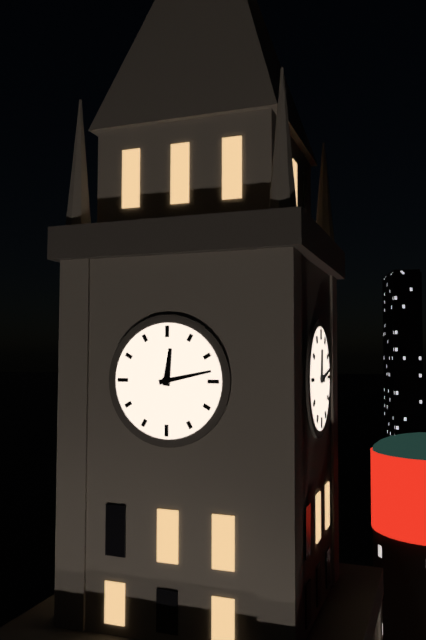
12:13
